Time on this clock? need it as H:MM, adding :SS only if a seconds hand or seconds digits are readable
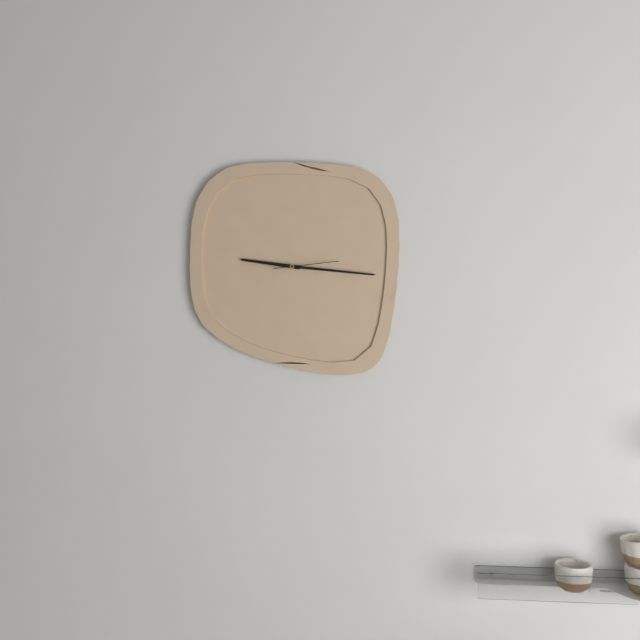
9:16:14
